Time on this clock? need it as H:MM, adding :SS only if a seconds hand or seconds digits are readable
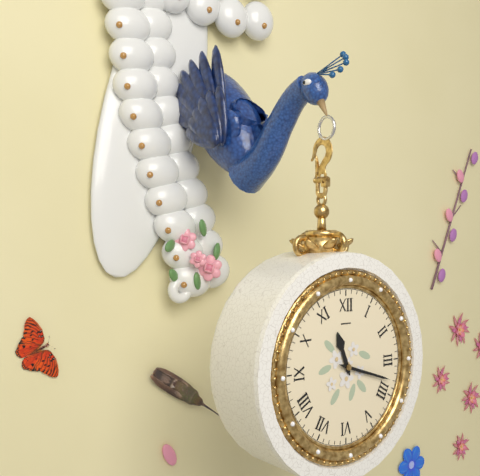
11:18
